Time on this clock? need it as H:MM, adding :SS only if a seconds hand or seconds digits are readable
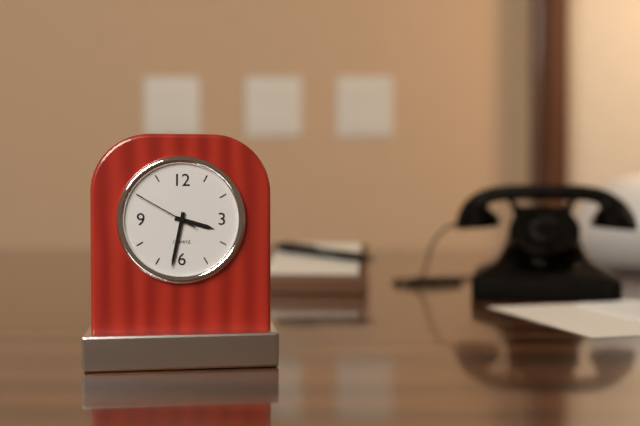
3:32:50
